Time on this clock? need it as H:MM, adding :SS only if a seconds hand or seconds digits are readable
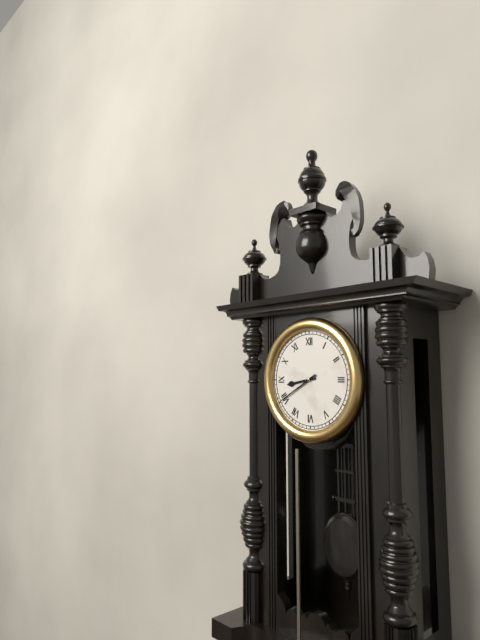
8:40
